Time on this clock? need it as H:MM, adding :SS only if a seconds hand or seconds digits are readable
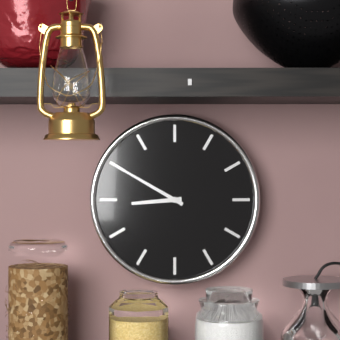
8:50
